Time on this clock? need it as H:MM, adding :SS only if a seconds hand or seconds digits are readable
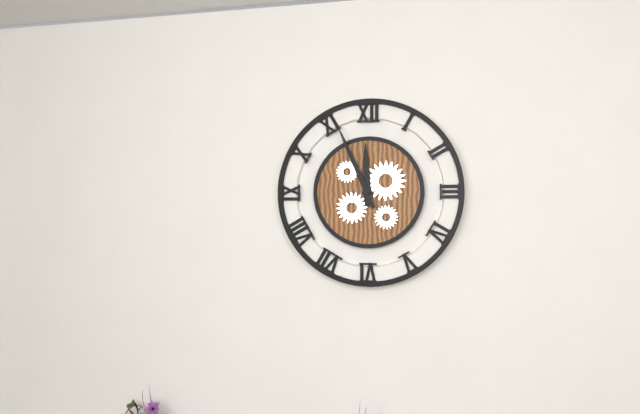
11:56
